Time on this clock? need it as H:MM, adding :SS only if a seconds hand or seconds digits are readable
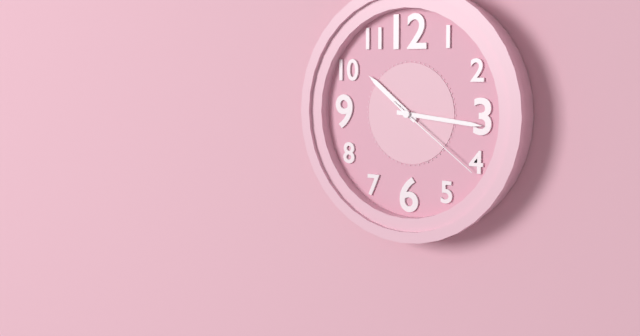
10:16:21
